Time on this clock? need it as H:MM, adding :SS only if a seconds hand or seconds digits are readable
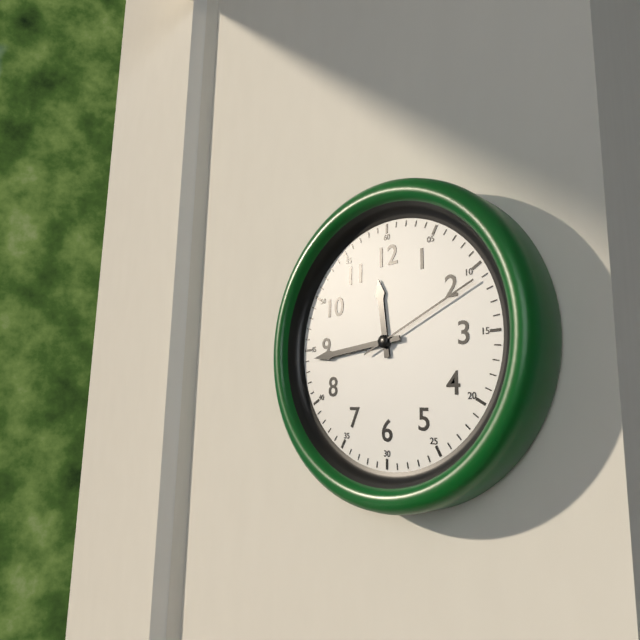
11:44:11
